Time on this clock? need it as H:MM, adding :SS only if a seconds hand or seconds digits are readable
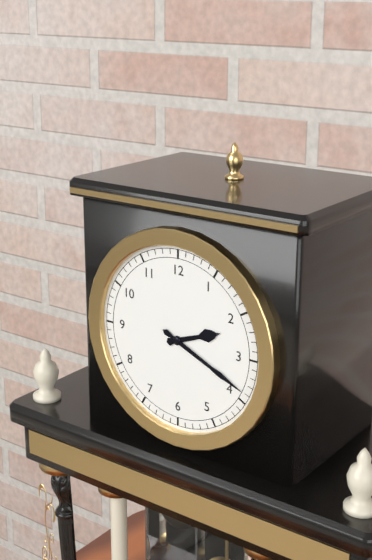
2:19
